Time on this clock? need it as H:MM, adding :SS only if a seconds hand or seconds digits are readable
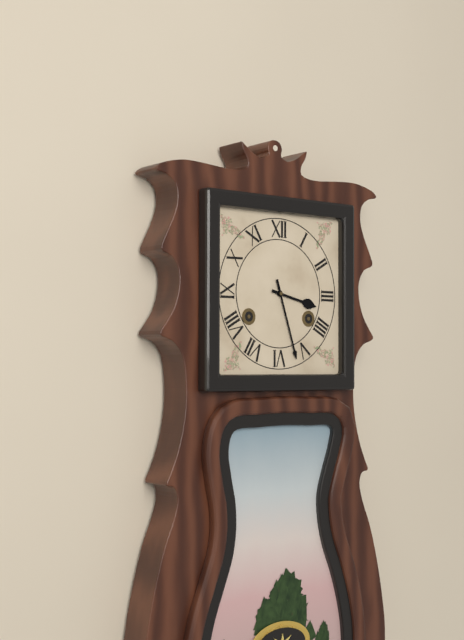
3:27
